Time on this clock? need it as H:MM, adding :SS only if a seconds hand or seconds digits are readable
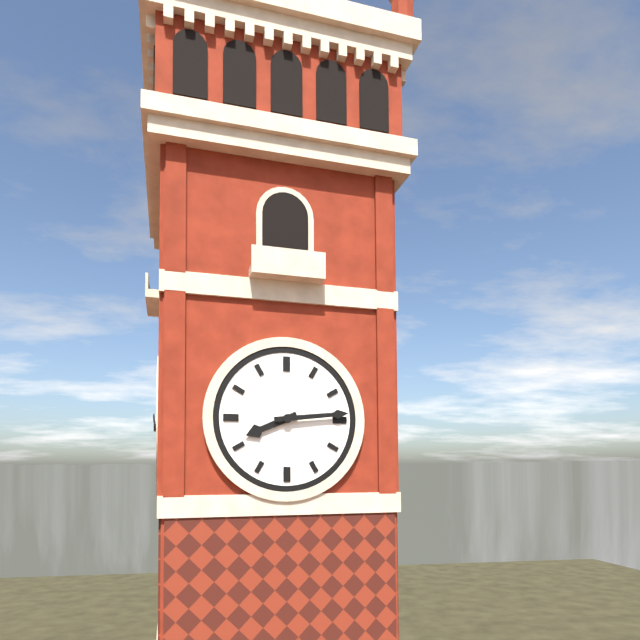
8:14
